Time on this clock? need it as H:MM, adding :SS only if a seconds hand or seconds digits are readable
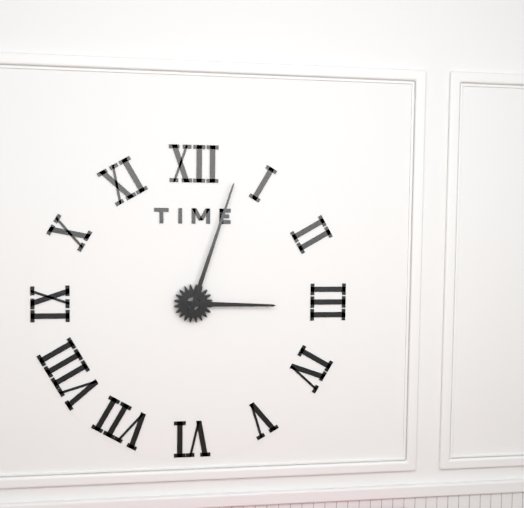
3:03
